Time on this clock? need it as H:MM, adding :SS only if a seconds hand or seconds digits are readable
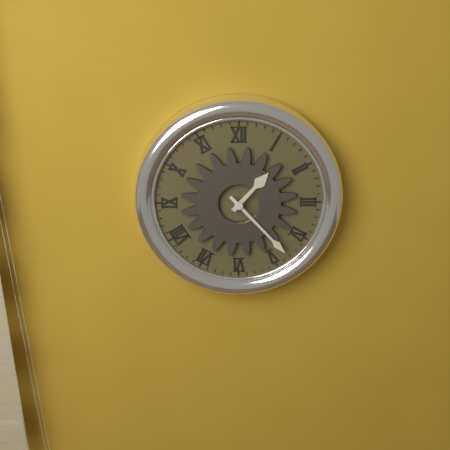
1:23
